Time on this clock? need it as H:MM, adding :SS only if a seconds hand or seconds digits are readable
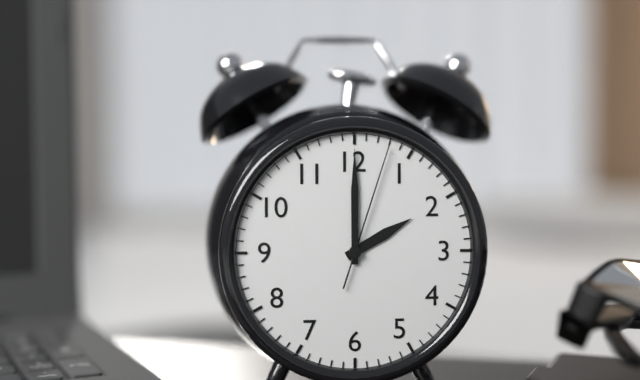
2:00:03
